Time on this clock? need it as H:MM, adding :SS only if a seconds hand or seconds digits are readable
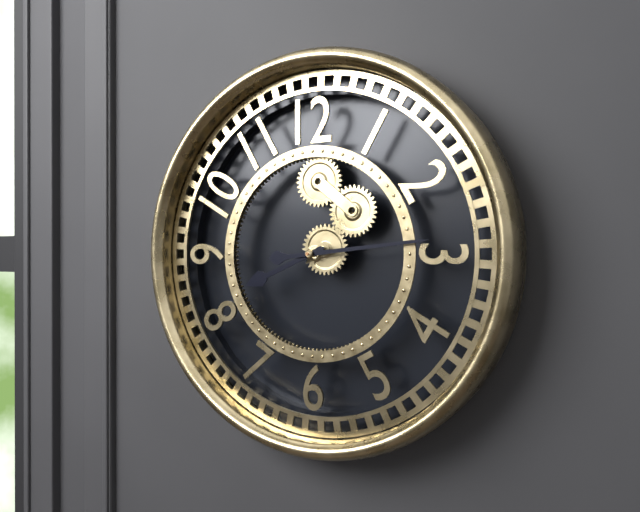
8:14
